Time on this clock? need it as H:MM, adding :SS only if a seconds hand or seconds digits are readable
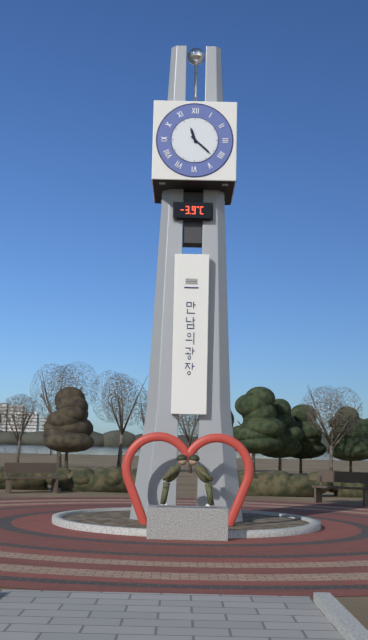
11:22
